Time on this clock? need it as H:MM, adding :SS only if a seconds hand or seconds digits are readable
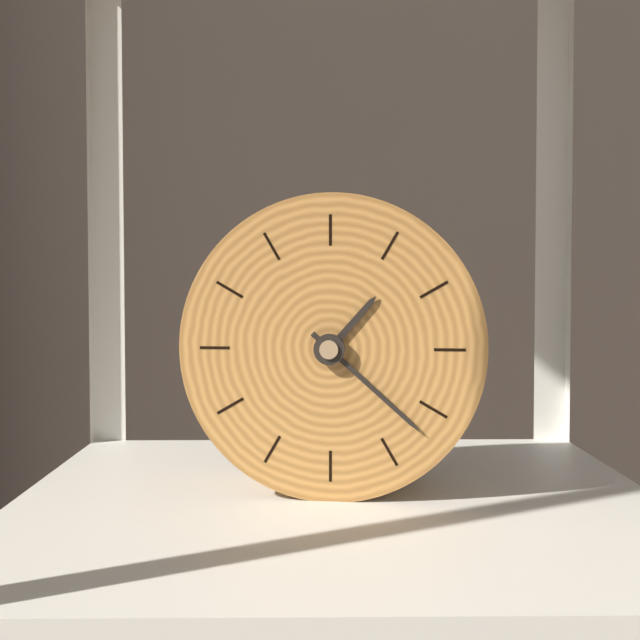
1:22
